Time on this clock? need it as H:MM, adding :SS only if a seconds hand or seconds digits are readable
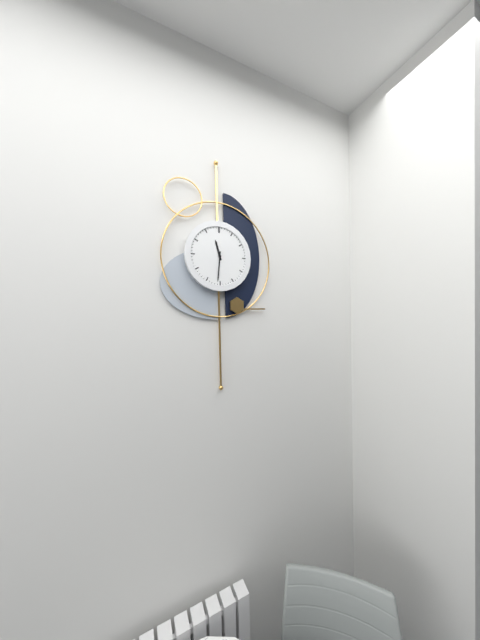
11:31
